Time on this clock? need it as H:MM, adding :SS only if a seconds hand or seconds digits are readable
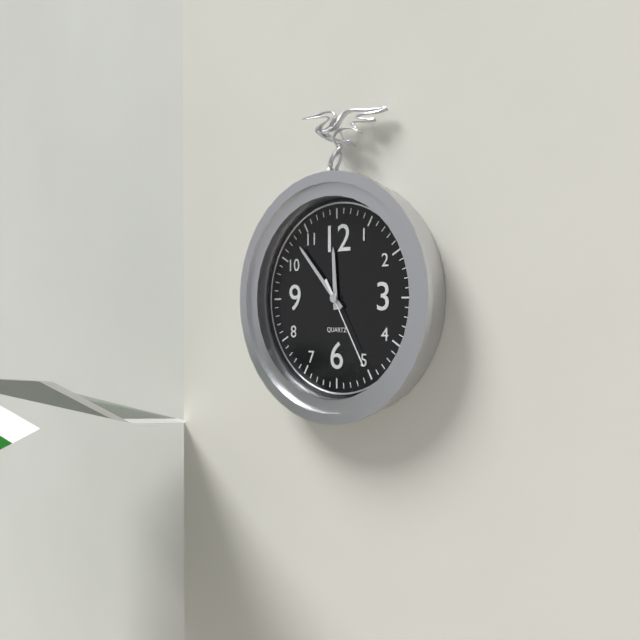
11:53:25
